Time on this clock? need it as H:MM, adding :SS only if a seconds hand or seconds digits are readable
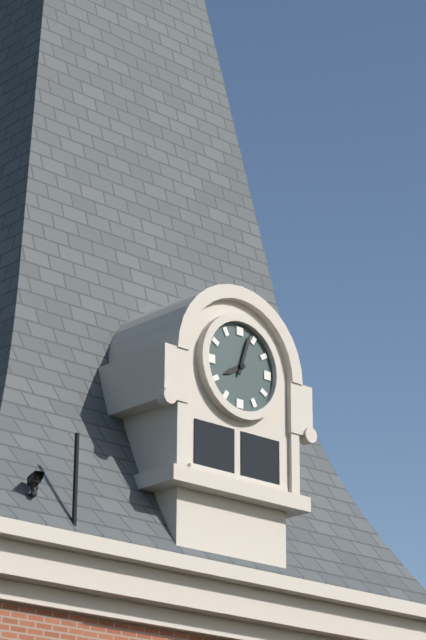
8:03
